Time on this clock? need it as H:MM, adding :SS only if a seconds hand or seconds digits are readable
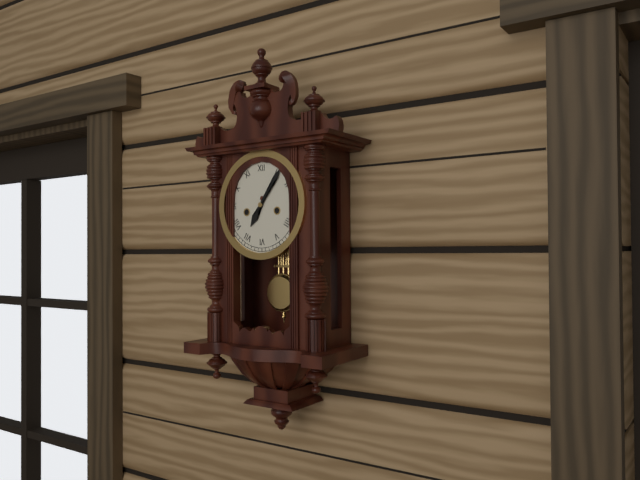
7:06
